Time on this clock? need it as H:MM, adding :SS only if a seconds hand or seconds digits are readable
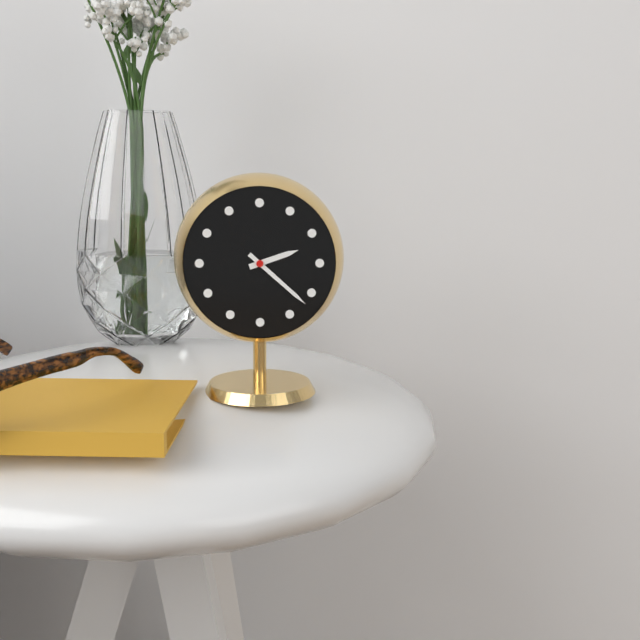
2:22
